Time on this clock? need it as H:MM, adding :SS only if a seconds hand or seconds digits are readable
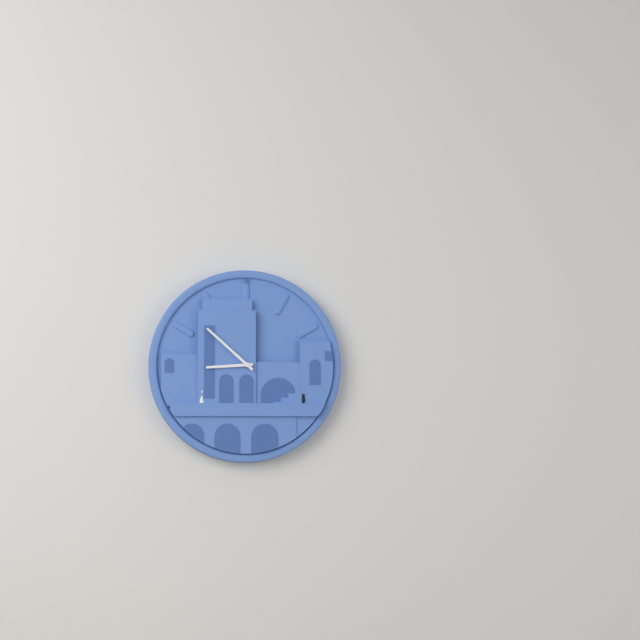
8:52
